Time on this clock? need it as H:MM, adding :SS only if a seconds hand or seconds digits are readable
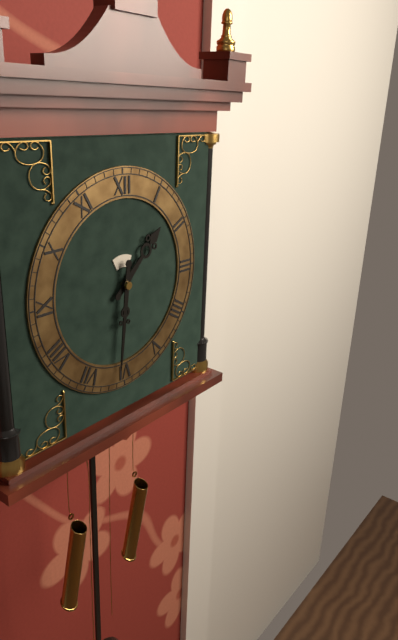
1:31
